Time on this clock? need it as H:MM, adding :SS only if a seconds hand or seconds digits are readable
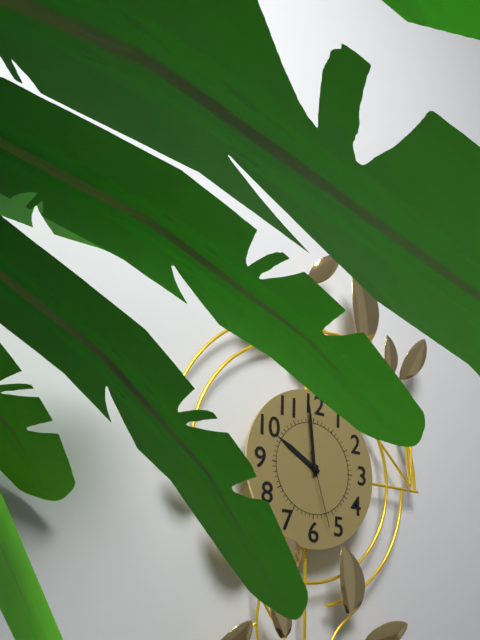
9:59:27
